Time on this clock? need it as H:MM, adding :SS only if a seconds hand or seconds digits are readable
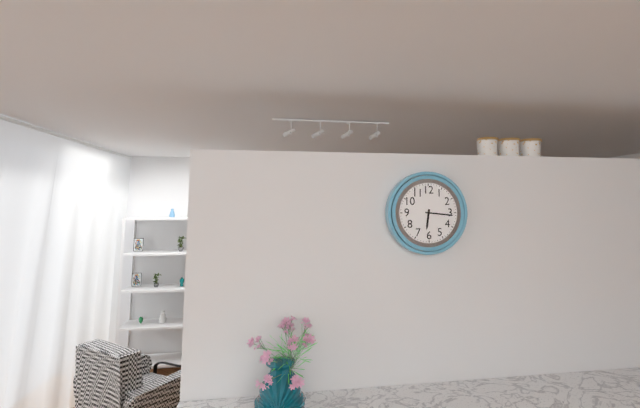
6:16
